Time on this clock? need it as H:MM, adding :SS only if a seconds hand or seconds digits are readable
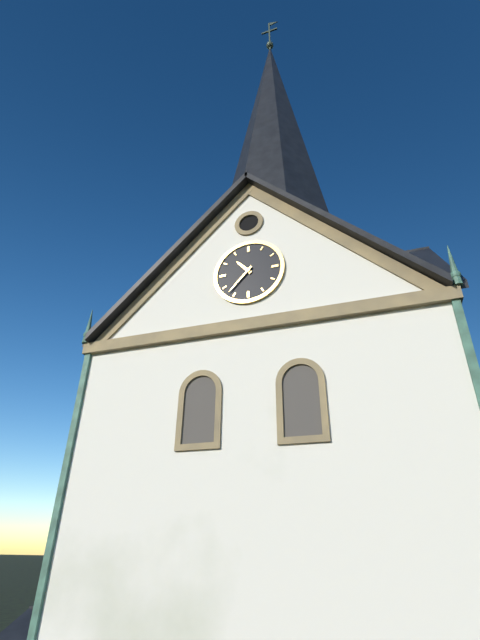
10:37
